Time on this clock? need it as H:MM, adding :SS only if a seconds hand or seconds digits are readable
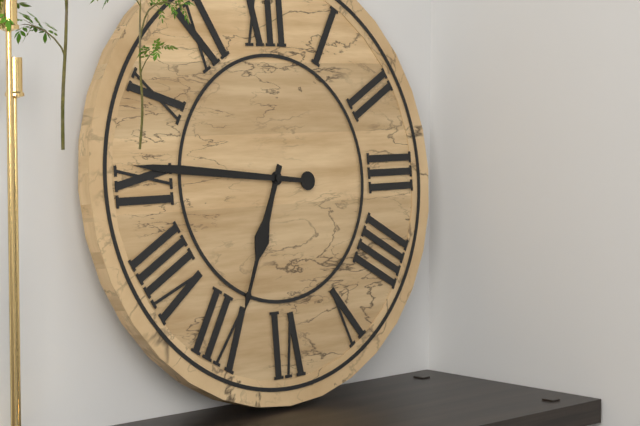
6:46
